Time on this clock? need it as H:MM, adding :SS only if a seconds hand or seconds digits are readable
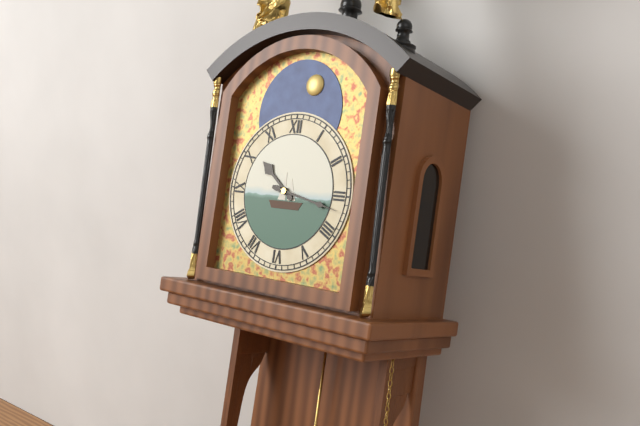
10:17
